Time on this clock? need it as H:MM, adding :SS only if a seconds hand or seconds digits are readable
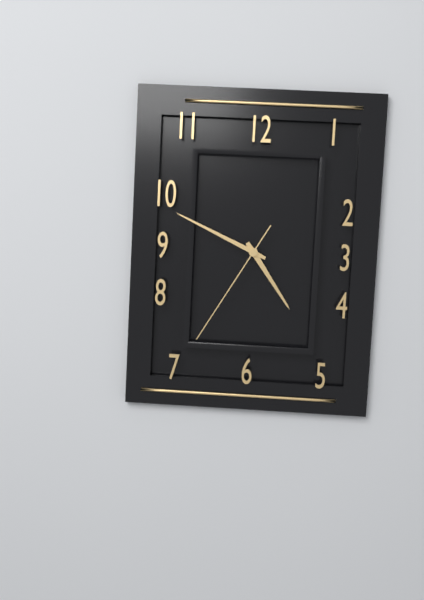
4:49:35
